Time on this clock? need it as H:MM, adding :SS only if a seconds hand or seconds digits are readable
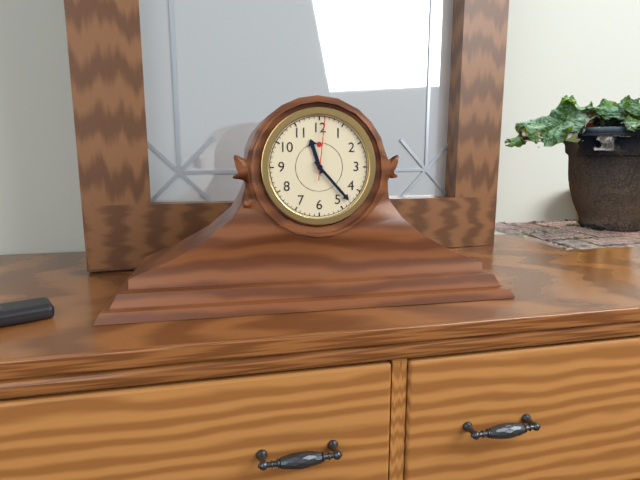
11:23:01
